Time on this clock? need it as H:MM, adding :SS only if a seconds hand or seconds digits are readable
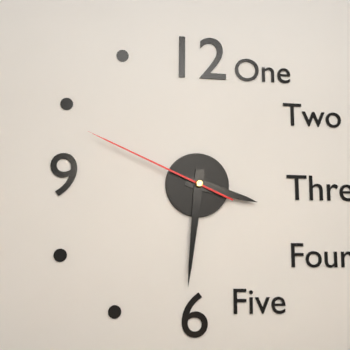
3:31:49
